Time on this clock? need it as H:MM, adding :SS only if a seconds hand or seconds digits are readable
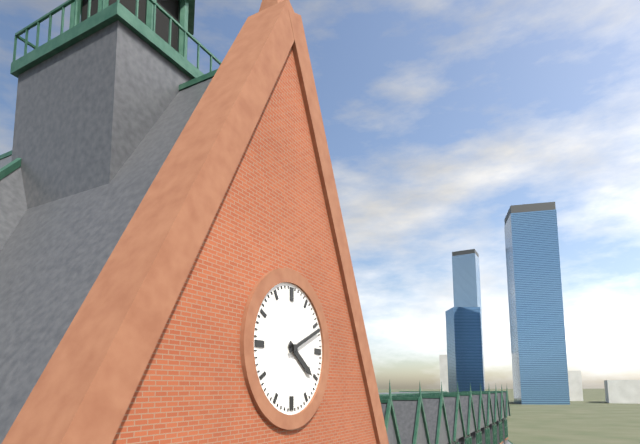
4:11
